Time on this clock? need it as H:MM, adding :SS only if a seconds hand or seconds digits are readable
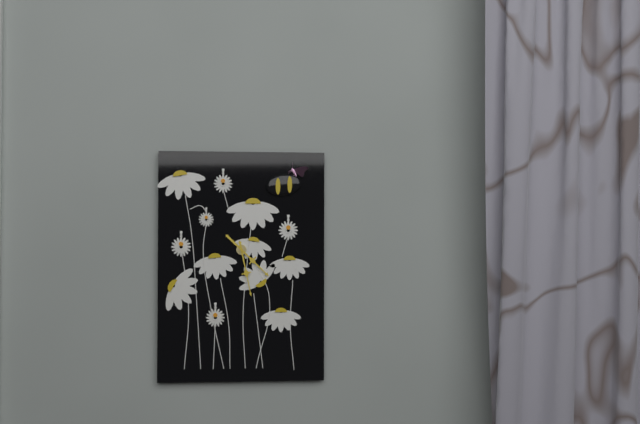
4:28
